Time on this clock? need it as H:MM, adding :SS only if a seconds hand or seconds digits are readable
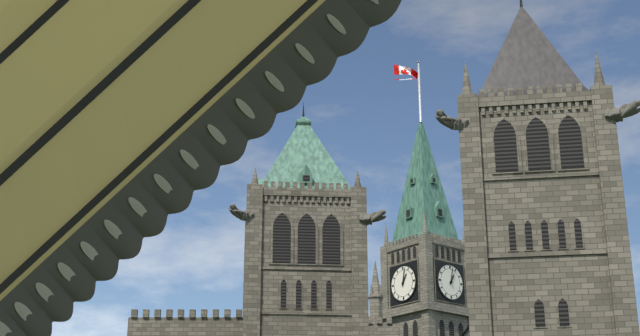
1:02
